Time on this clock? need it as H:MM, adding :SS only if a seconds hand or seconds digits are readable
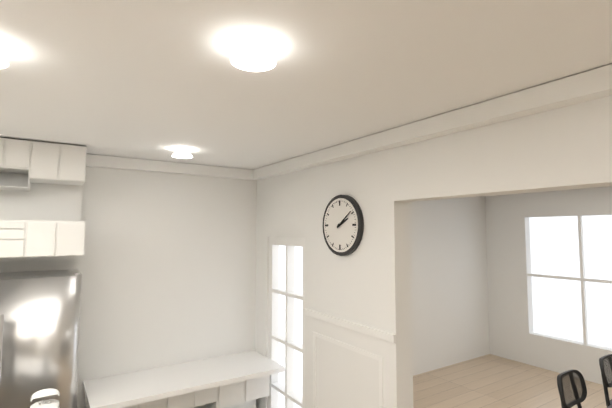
2:09
